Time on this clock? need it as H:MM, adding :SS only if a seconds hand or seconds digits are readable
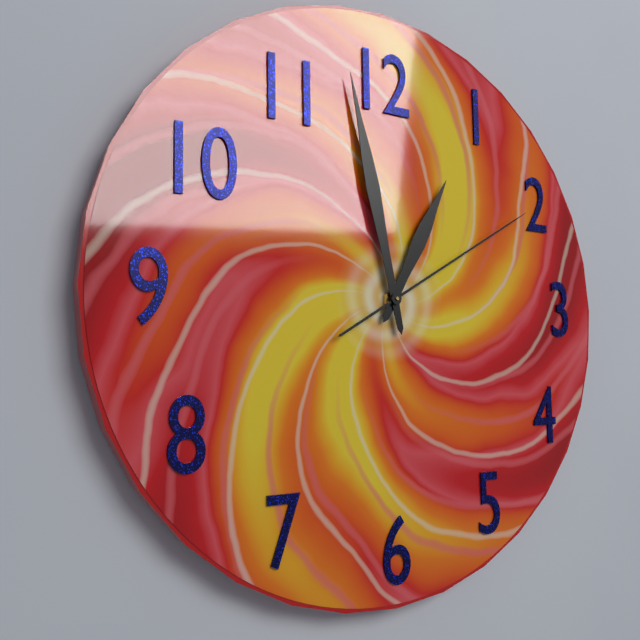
12:58:10
